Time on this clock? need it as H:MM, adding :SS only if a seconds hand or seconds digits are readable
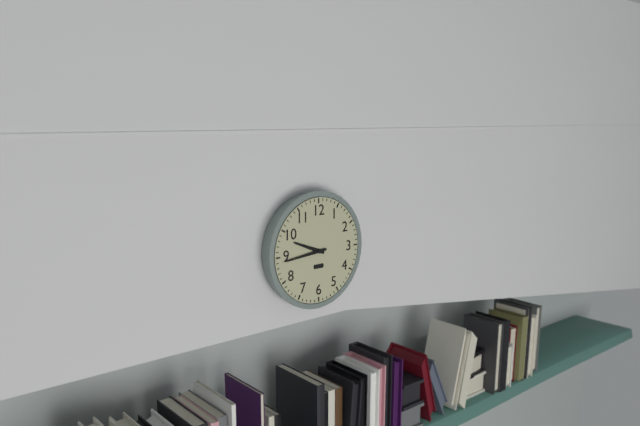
9:44
